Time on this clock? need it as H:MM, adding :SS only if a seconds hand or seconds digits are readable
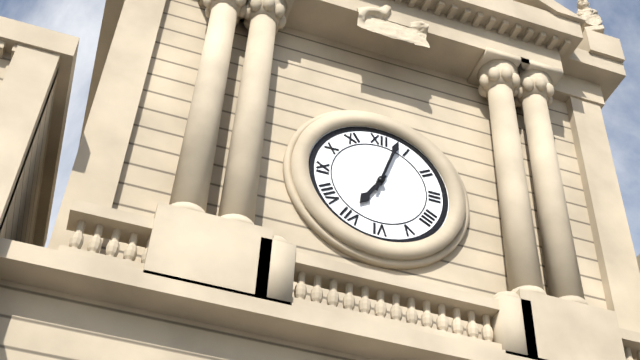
7:03
